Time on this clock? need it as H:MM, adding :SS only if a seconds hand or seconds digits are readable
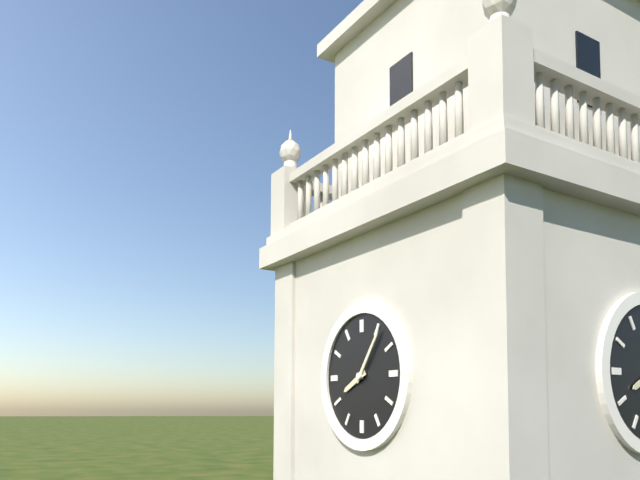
8:06
